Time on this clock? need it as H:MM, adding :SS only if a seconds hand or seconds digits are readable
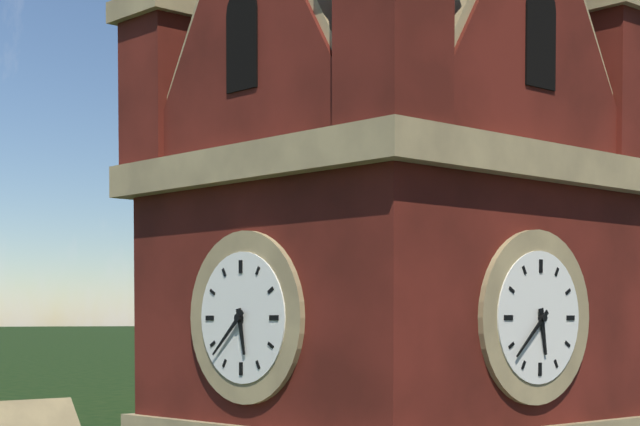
5:38
